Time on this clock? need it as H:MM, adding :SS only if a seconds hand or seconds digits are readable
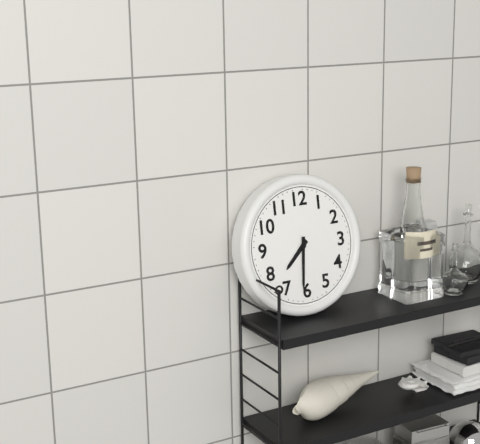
7:31
